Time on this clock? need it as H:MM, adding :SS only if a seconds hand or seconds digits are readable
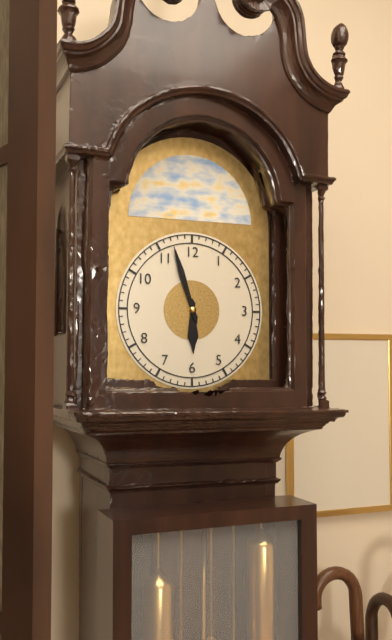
5:57
